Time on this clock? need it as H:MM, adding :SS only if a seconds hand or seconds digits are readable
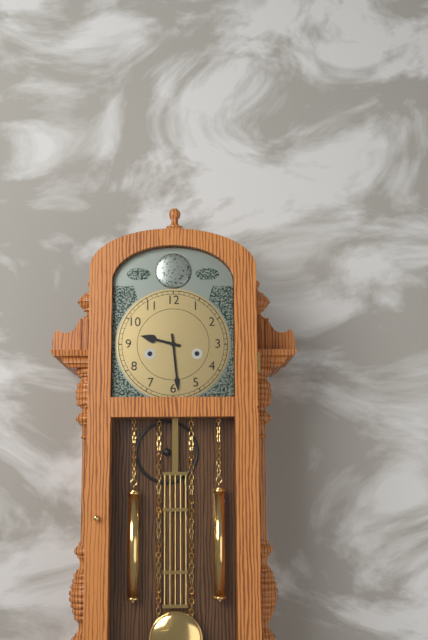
9:29
